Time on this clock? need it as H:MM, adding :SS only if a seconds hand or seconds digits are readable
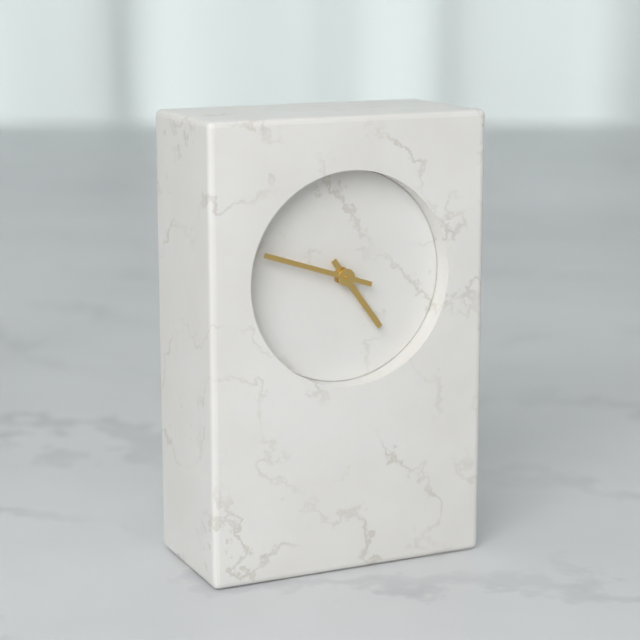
4:48
